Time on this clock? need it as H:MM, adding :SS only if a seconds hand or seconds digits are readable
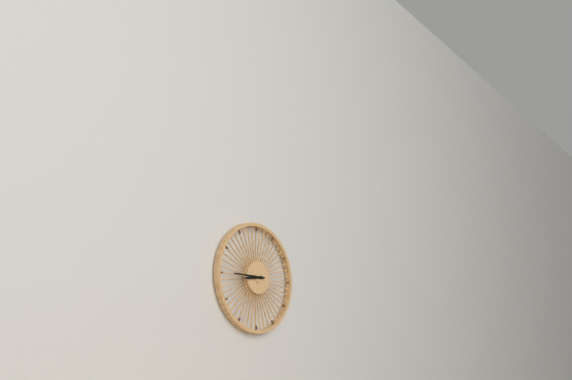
8:45
